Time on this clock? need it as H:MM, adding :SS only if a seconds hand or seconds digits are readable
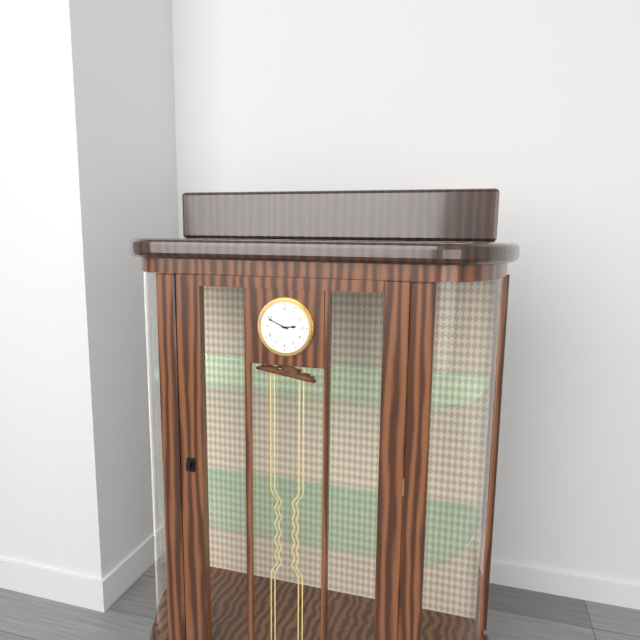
2:49
